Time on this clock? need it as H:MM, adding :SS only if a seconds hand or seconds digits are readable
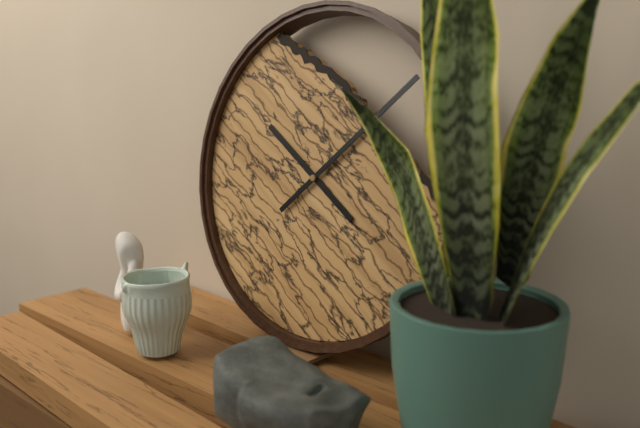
10:08
